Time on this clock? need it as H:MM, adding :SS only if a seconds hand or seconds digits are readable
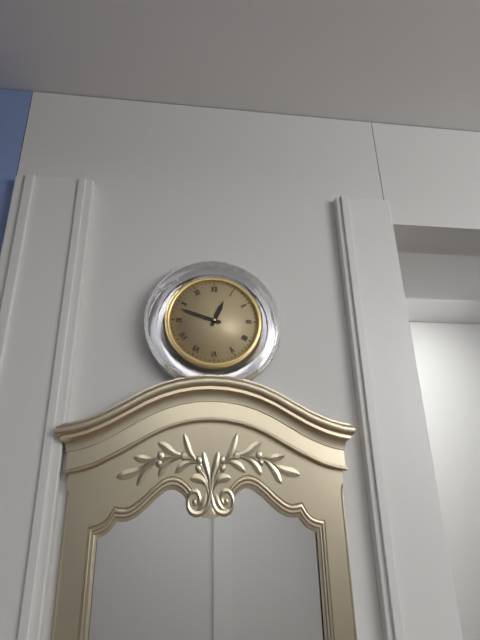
12:48
